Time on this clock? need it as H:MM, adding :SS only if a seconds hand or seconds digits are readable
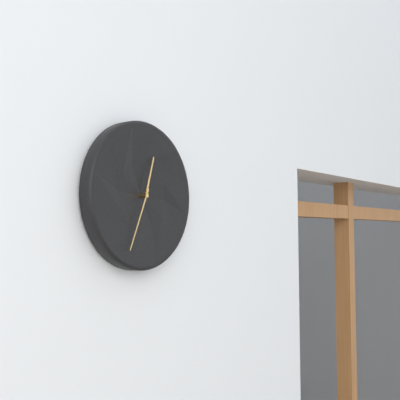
12:34
